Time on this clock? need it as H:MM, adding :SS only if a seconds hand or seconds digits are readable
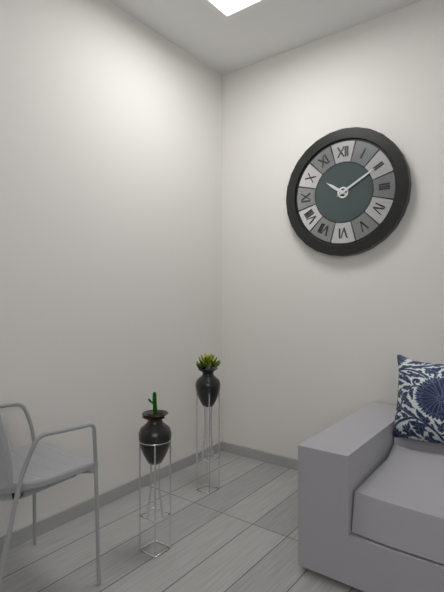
10:10
